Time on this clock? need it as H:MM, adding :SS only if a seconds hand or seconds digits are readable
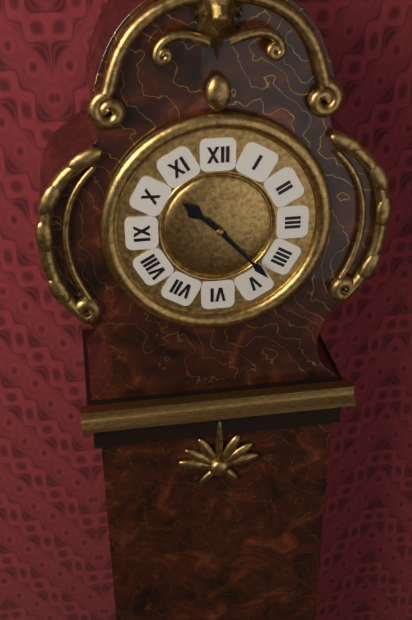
10:23
